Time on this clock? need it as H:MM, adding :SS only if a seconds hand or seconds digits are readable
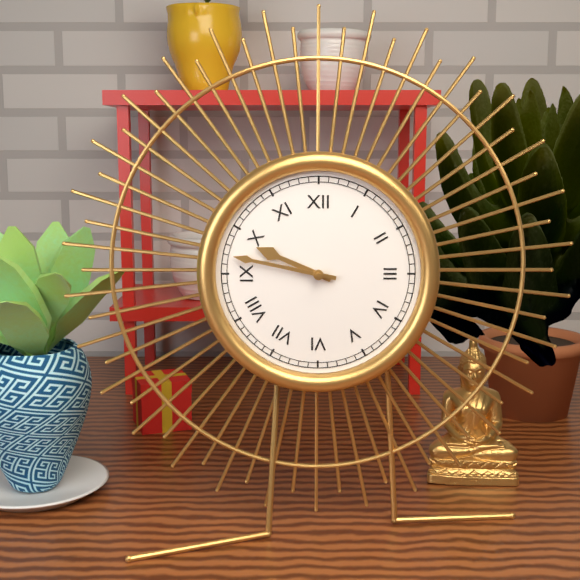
9:47
